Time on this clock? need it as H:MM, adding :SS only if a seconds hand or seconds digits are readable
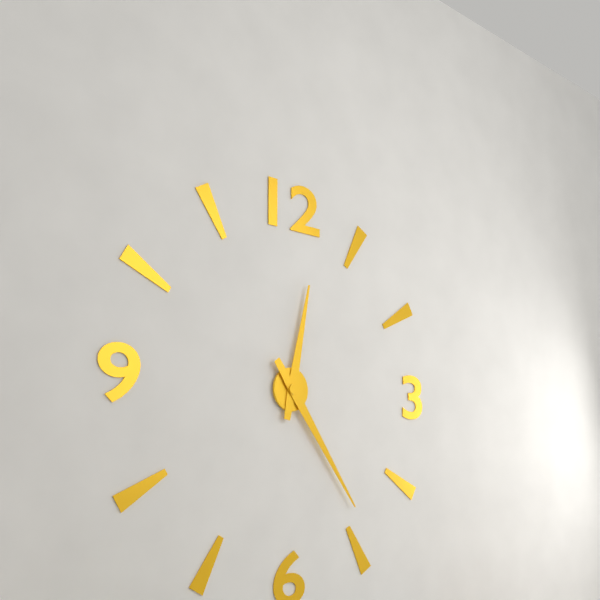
12:24
